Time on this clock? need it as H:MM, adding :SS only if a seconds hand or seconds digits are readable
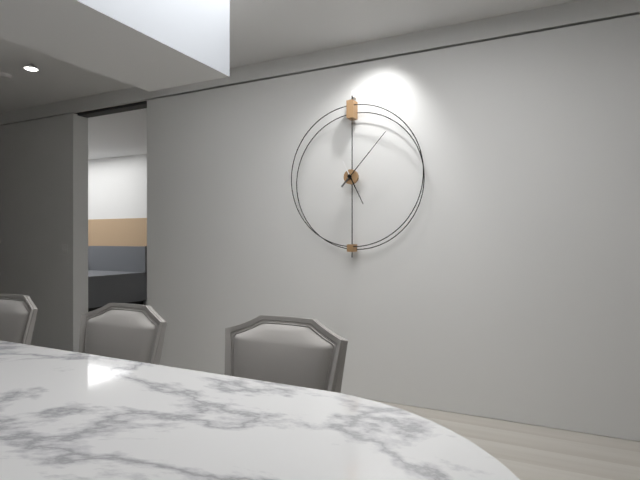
5:07
